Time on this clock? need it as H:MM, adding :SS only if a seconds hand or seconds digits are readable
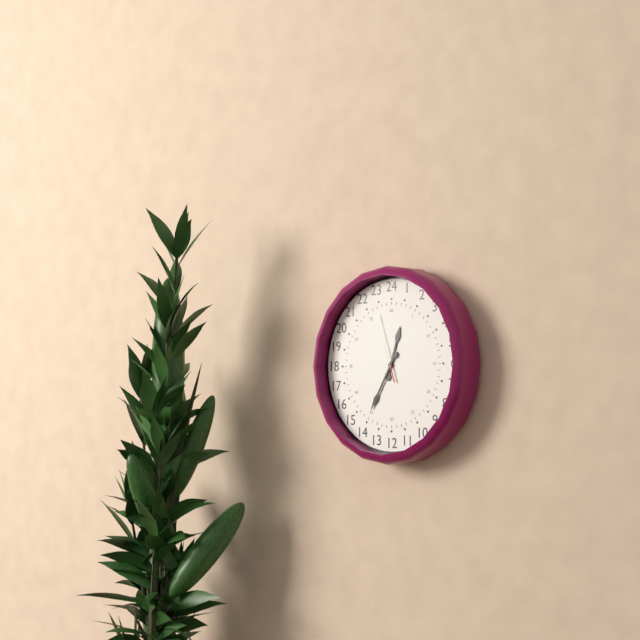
12:35:57
